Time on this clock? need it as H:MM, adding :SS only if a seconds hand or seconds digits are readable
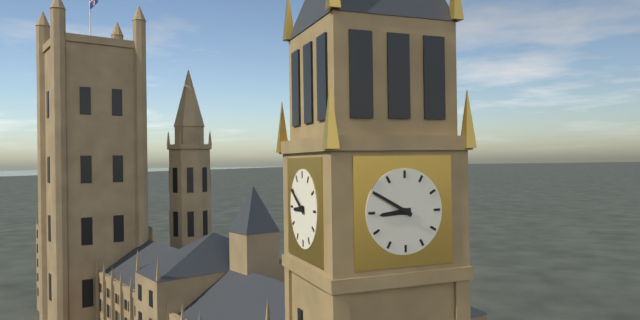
8:50
